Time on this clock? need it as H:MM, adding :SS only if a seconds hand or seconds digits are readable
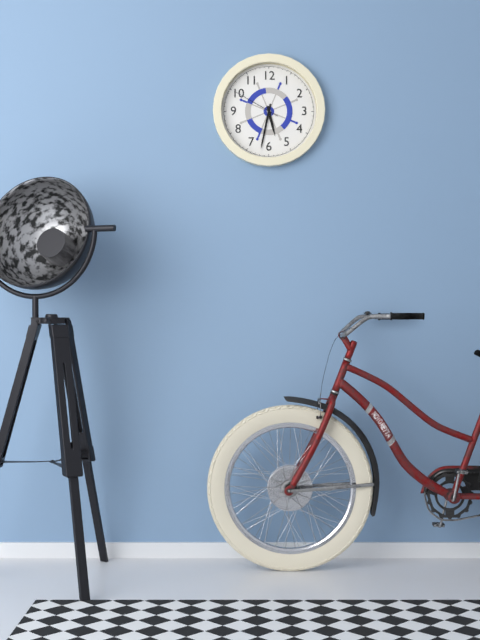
5:32
